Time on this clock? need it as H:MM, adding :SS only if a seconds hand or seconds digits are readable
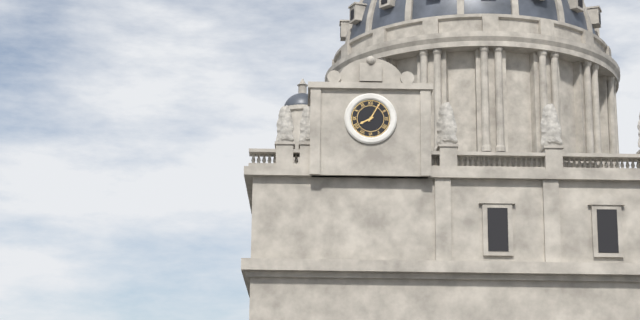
8:05
